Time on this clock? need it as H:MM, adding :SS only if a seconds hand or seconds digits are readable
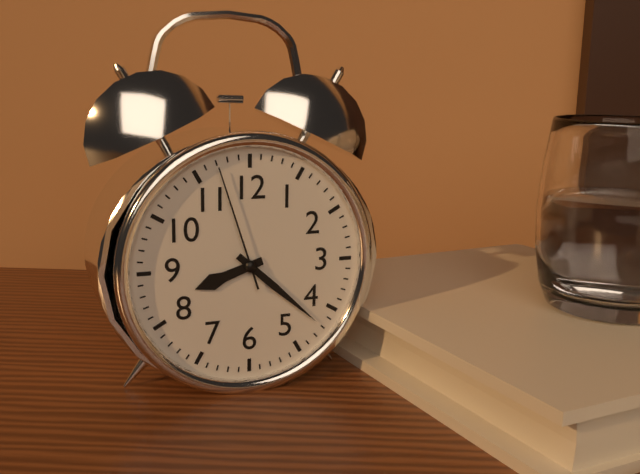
8:22:57
